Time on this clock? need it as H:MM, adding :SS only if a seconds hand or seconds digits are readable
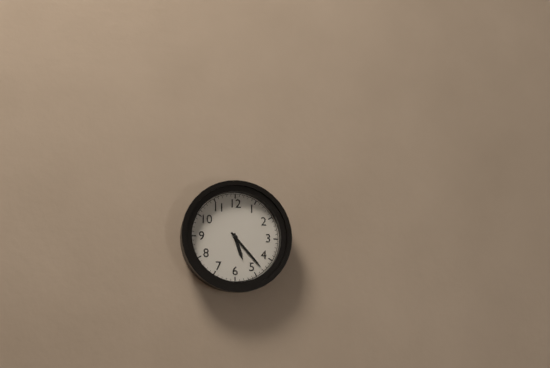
5:23
